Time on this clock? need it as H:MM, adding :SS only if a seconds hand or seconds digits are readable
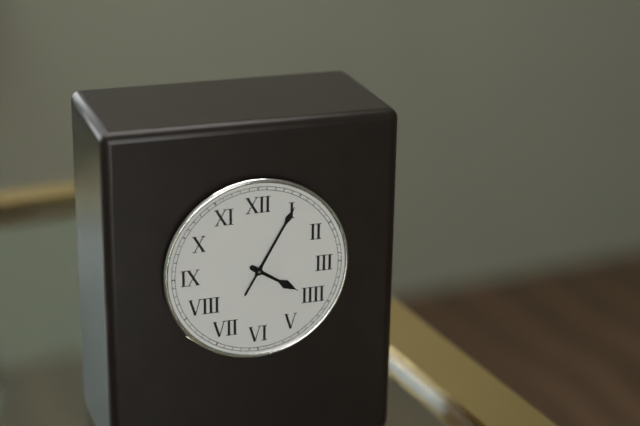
4:05
